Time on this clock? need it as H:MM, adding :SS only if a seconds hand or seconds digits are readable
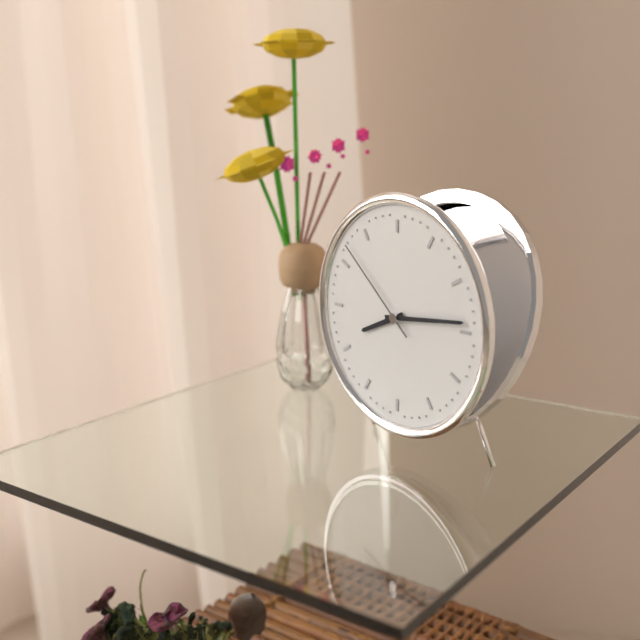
8:14:52
